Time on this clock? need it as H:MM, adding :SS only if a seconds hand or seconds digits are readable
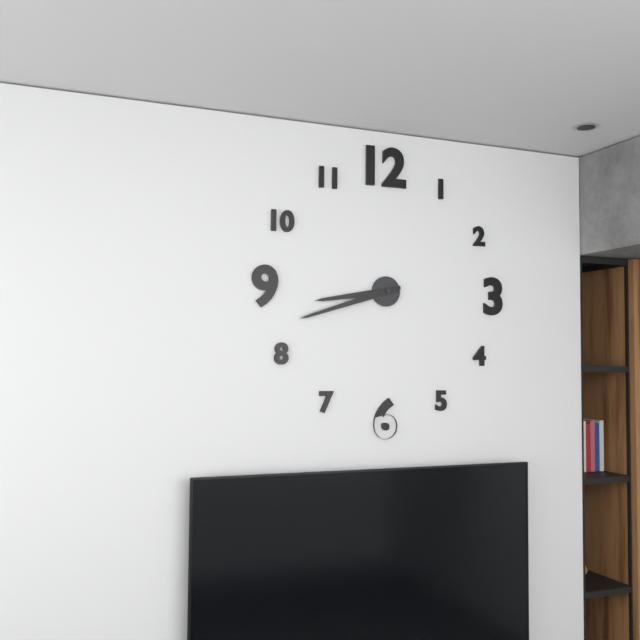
8:42
